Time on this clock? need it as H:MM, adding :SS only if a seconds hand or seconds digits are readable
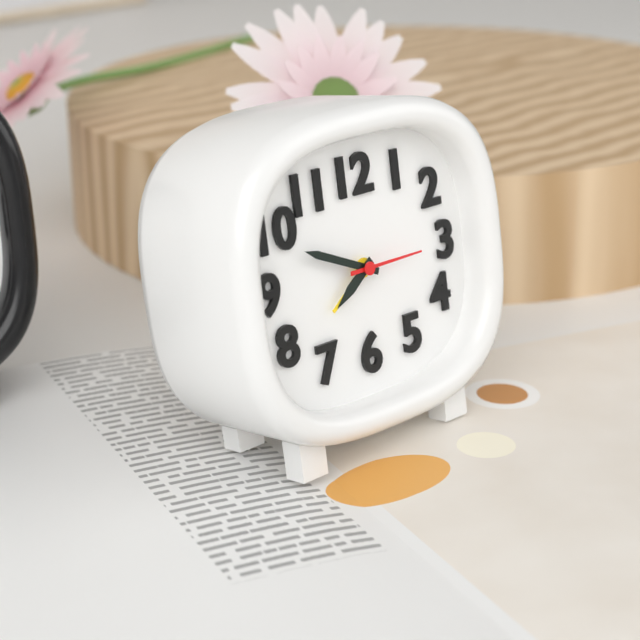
7:49:15
